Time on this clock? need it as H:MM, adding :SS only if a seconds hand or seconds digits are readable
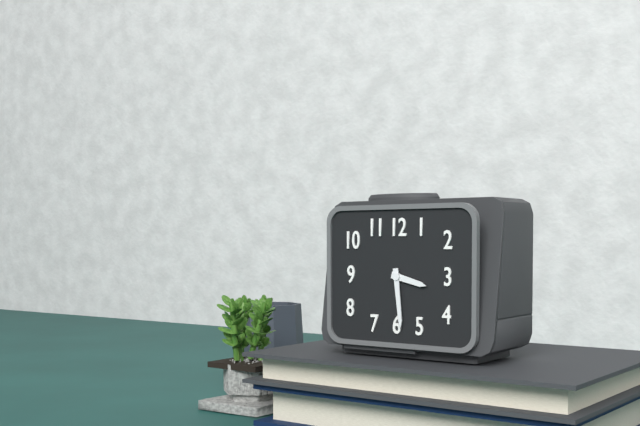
3:29
